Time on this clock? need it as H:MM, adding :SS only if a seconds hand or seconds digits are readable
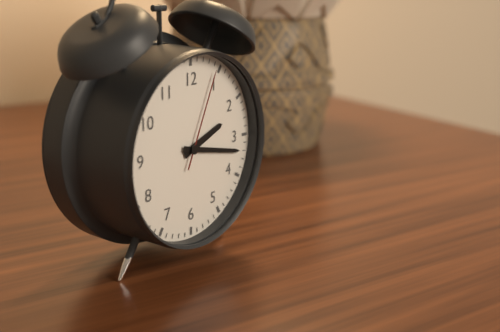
2:17:04
